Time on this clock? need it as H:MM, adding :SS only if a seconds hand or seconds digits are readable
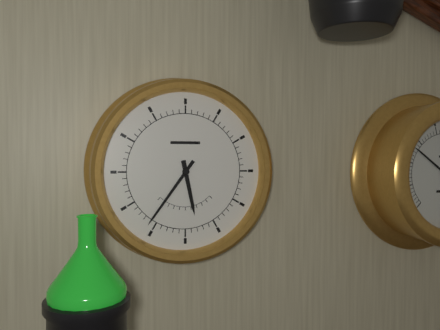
5:36
